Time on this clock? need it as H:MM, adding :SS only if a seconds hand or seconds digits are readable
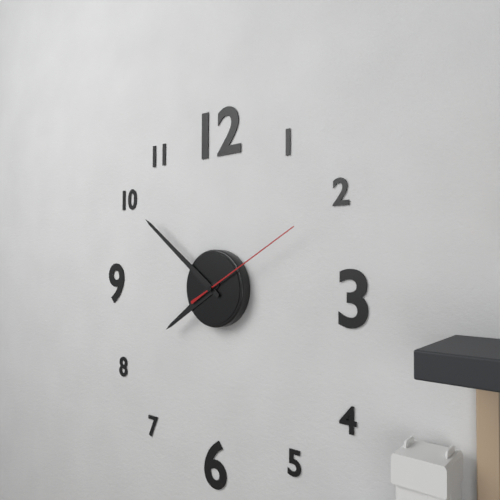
7:51:10
